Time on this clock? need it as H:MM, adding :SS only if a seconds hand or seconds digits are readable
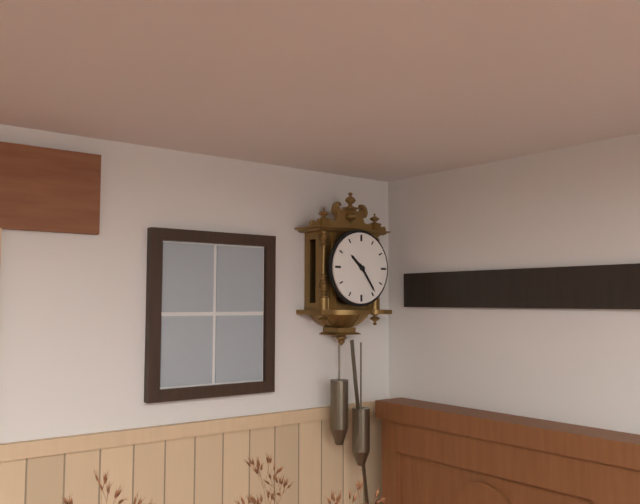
10:24
